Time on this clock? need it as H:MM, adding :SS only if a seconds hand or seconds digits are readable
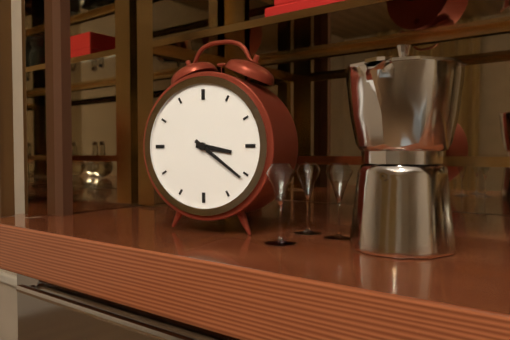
3:21
